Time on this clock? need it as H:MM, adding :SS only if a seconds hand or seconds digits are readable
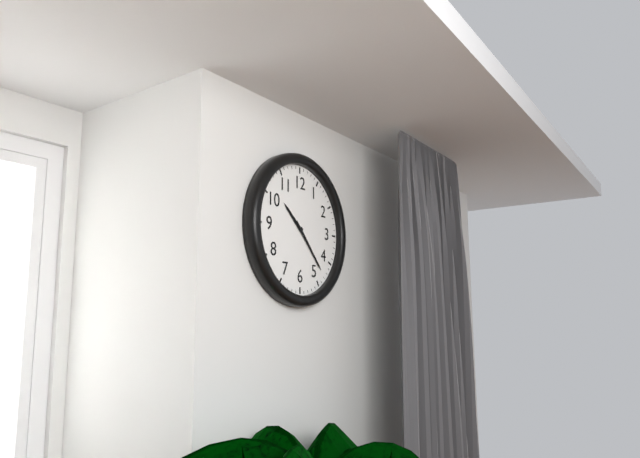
10:23
